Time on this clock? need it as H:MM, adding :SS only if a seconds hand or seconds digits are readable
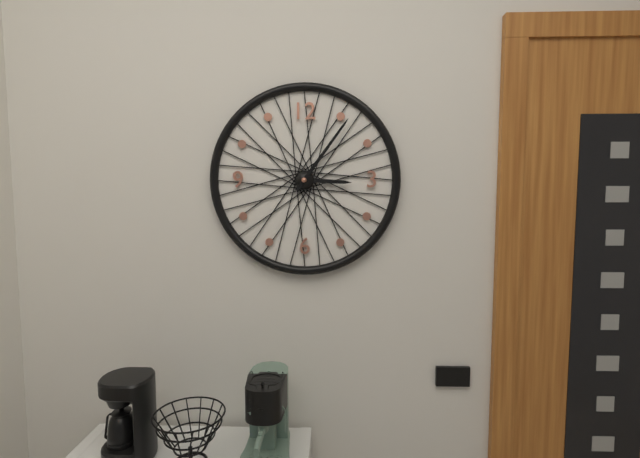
3:06
